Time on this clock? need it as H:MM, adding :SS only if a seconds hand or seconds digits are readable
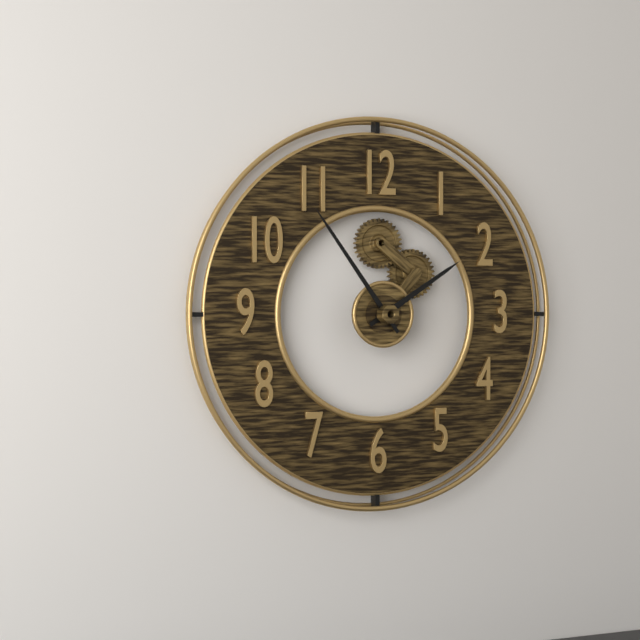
1:54
